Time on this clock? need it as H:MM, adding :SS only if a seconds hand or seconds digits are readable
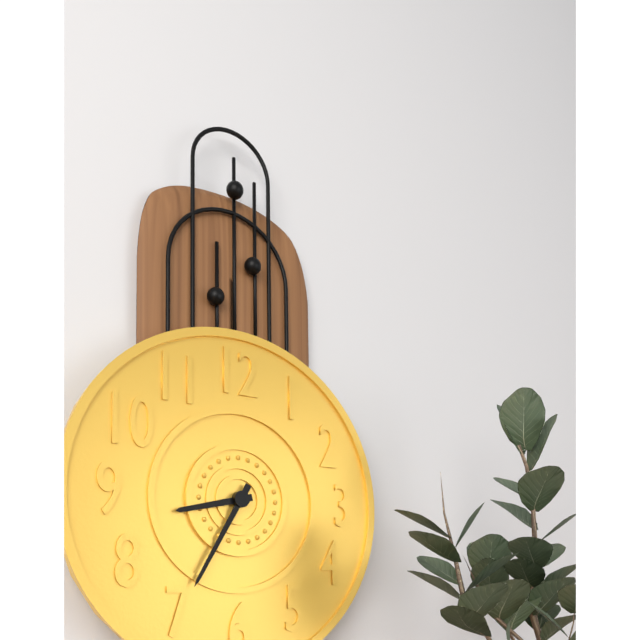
8:35
